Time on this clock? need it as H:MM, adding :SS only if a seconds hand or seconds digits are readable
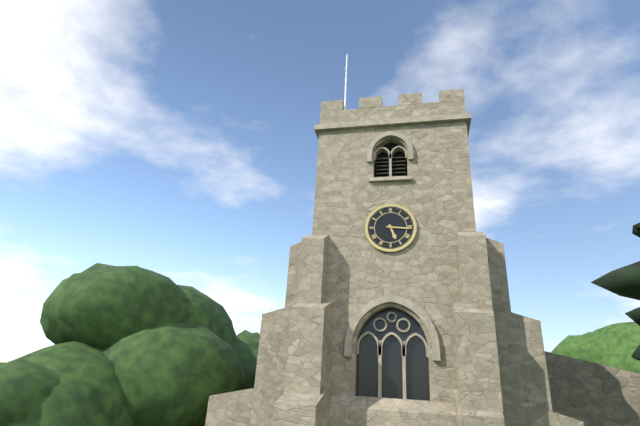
5:16
